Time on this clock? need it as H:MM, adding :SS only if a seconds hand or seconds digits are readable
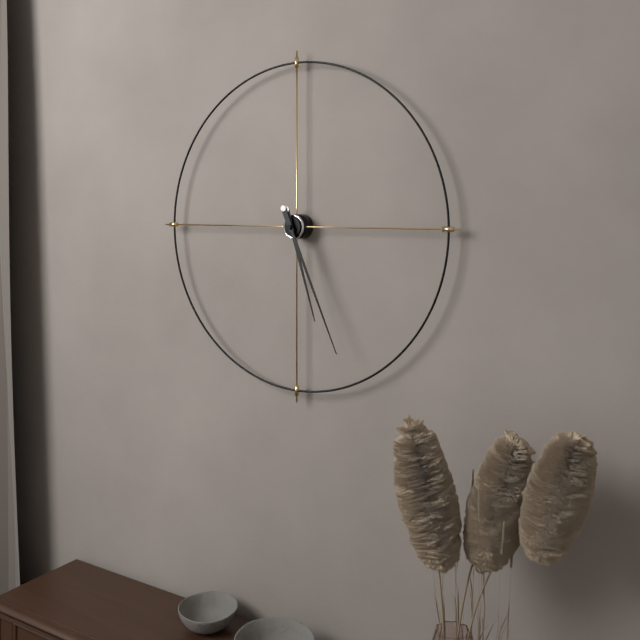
5:26
